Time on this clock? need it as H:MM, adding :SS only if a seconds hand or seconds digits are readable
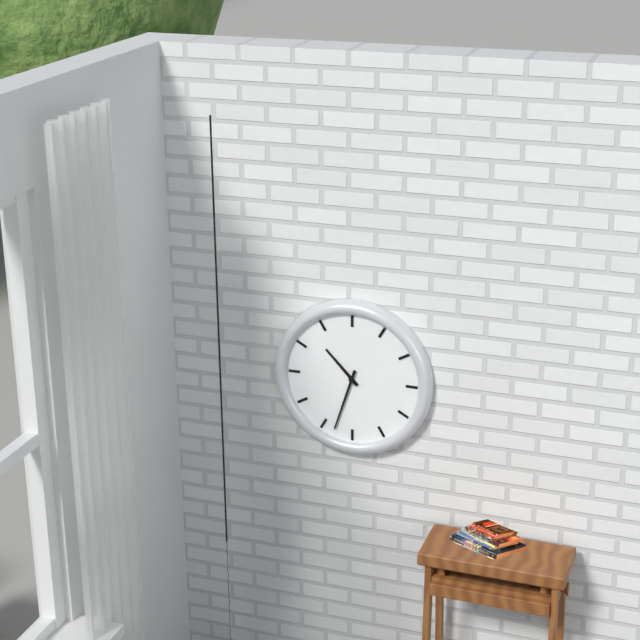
10:33
